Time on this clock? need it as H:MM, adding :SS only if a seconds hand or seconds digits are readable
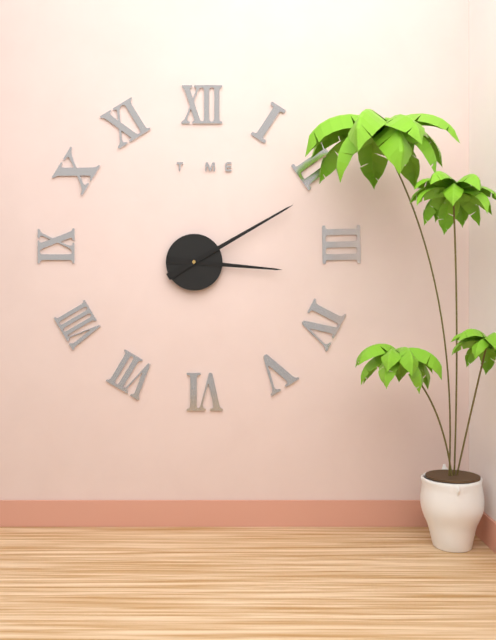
3:10
